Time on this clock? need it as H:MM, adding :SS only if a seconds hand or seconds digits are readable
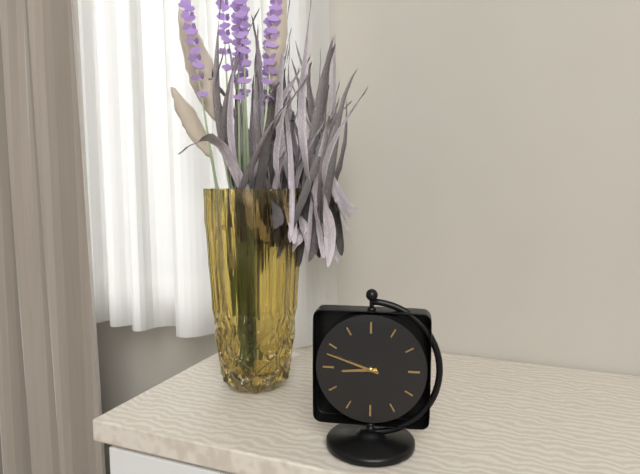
8:48
